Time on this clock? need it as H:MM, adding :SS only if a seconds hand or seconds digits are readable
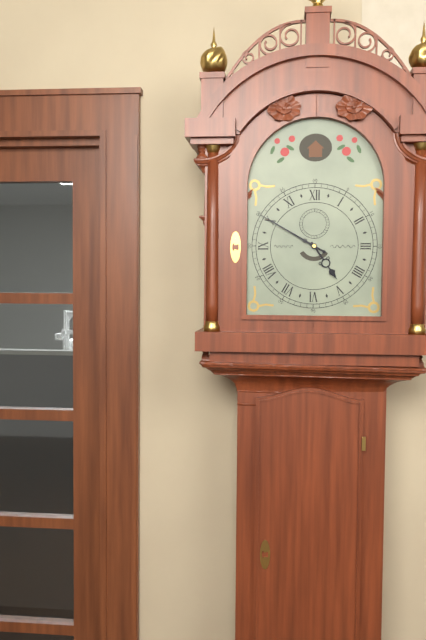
4:50
